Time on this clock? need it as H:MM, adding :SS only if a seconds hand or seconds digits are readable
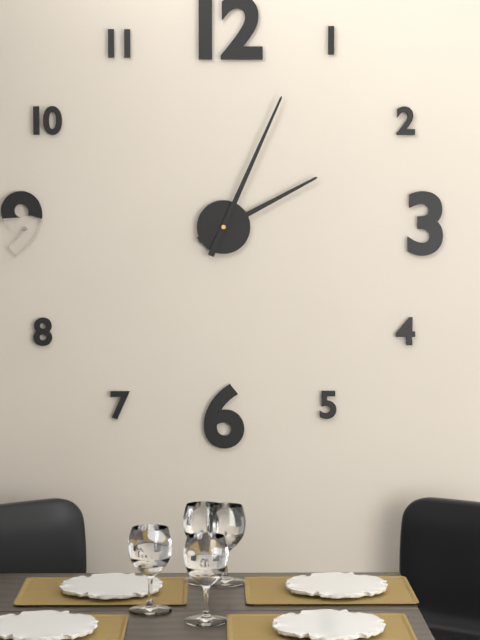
2:04
